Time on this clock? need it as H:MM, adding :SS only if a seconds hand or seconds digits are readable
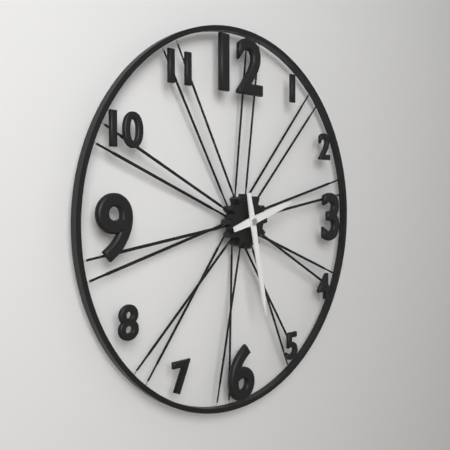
2:28
